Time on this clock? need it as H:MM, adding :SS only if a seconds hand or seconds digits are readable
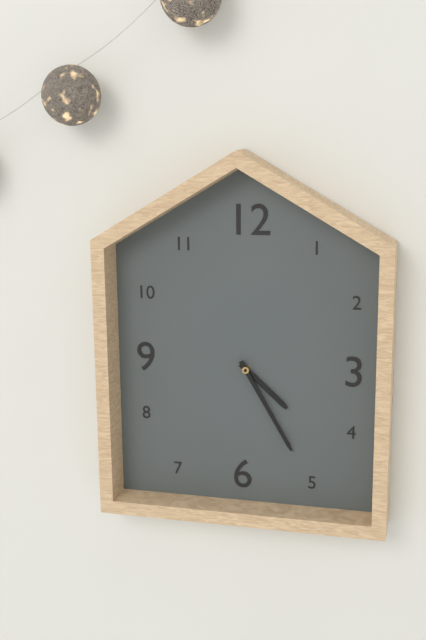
4:25
